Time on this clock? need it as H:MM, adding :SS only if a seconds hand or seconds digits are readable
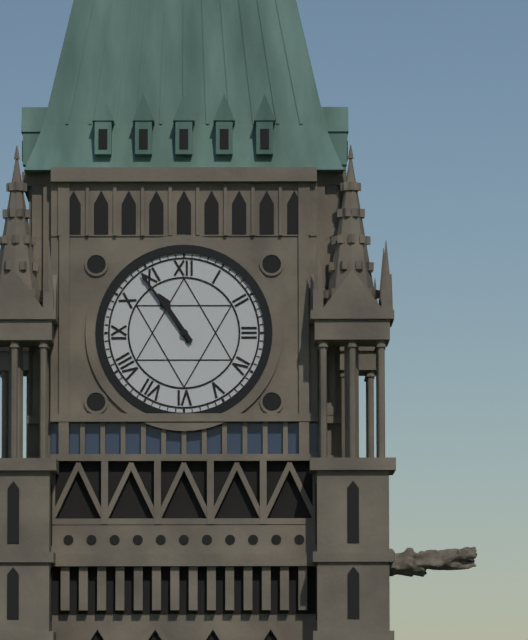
10:54
